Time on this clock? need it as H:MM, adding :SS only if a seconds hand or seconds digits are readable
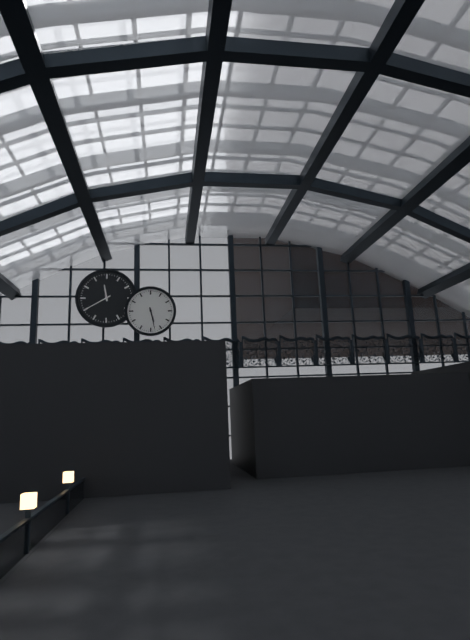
5:28
